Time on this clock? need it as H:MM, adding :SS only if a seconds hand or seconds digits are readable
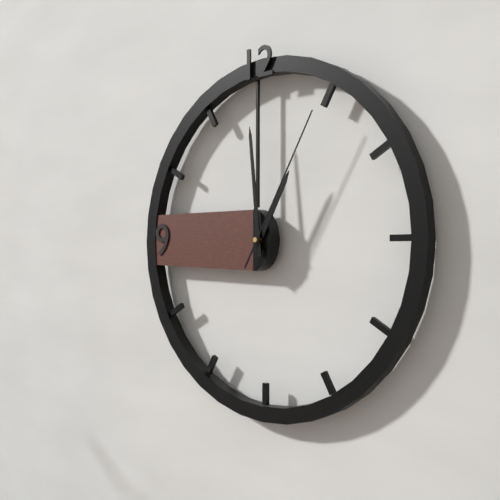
12:59:05
